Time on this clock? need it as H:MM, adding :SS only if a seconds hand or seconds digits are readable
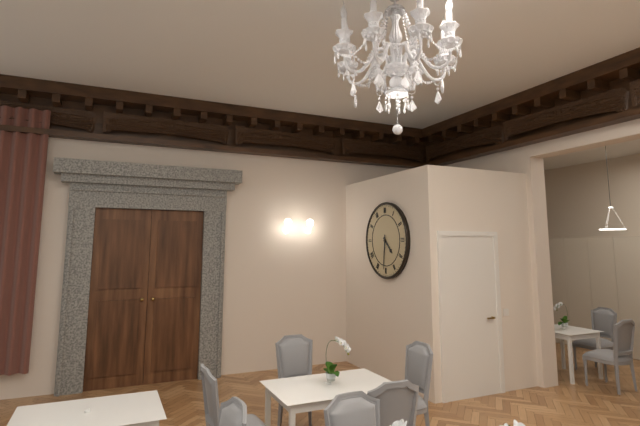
4:31
